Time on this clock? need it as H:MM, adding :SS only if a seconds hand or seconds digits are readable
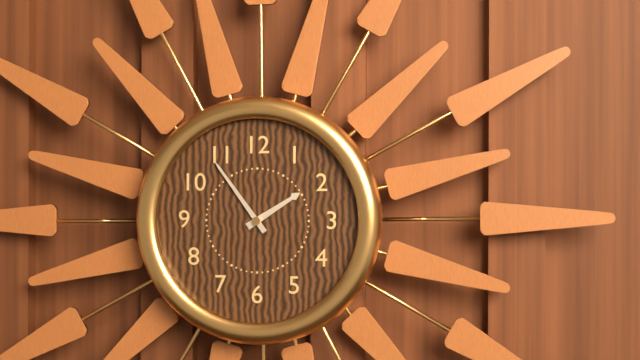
1:54
